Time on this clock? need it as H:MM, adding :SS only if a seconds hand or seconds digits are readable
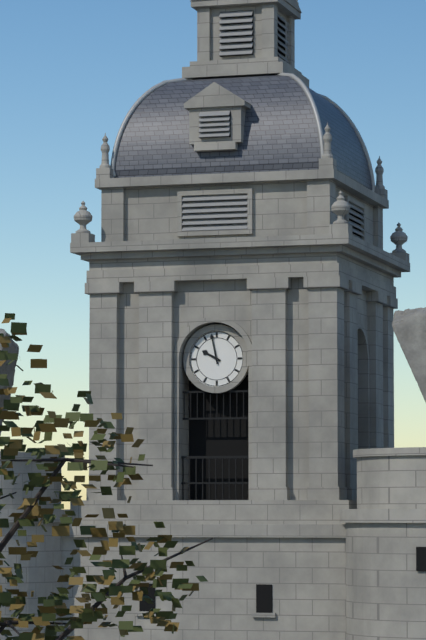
9:58
